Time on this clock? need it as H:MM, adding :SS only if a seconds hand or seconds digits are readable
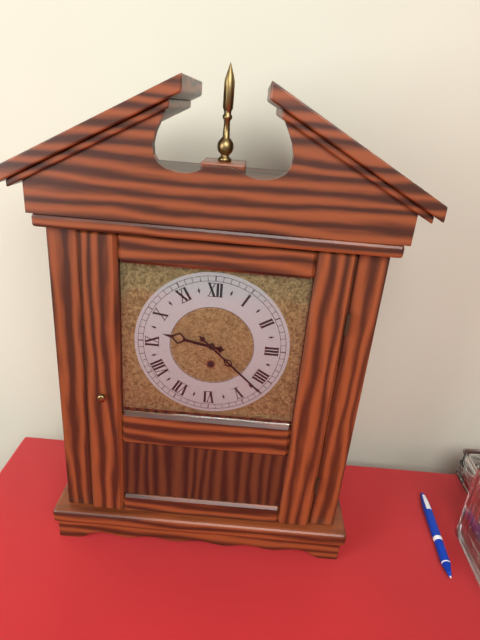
9:22
